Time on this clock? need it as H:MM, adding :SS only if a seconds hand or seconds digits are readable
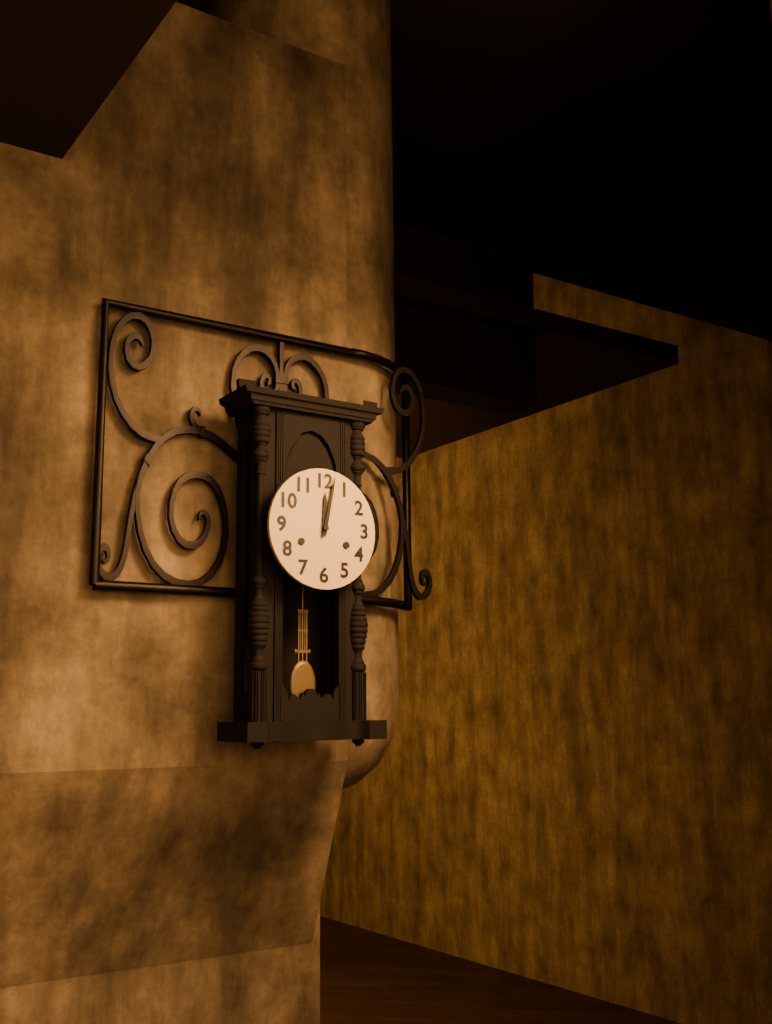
12:02
